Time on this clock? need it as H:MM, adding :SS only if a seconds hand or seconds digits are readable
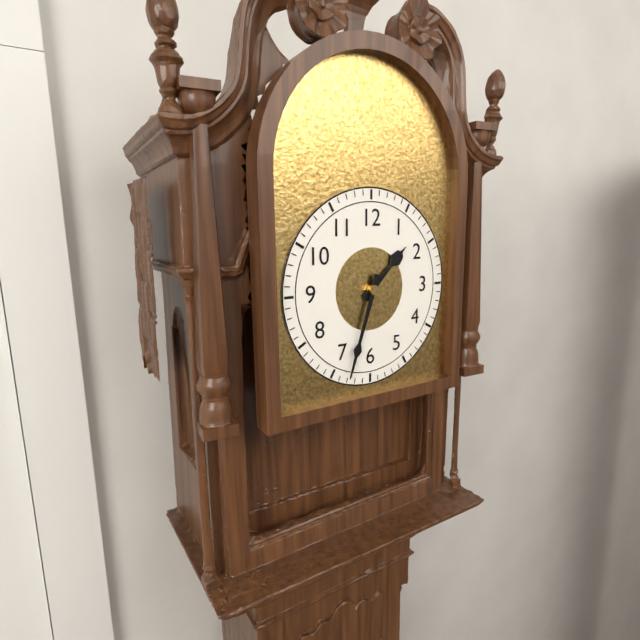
1:33
